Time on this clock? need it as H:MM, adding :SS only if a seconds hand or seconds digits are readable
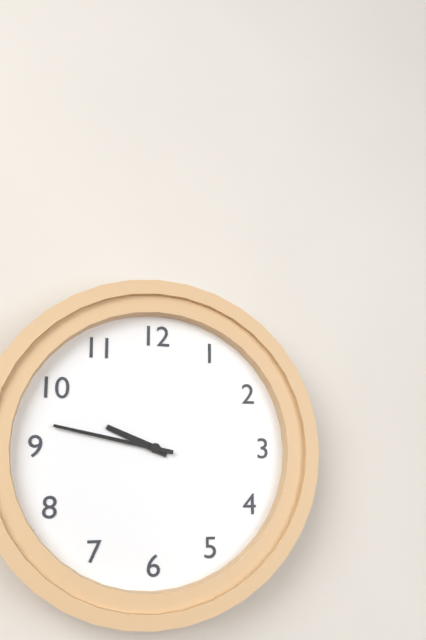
9:47
